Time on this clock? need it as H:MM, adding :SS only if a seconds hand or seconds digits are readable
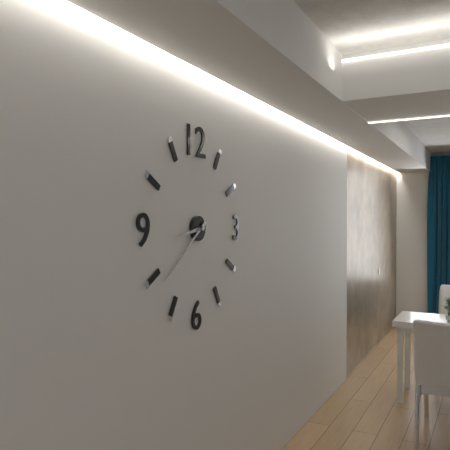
8:39
